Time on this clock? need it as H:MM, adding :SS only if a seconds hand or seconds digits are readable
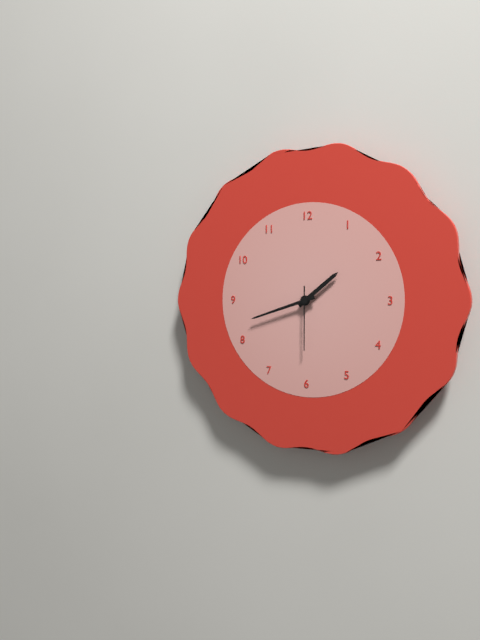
1:42:30
